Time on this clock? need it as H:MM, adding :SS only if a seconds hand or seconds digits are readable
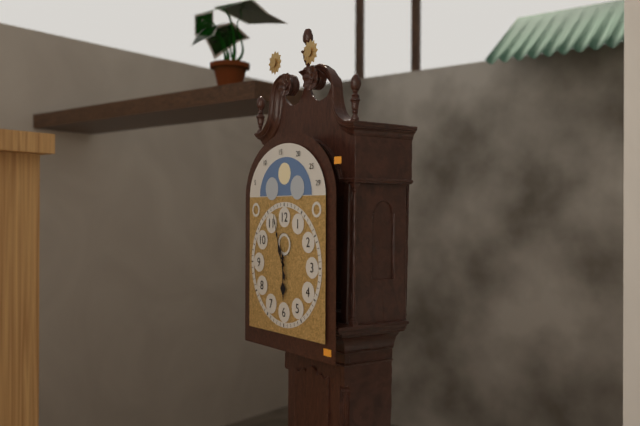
5:57
